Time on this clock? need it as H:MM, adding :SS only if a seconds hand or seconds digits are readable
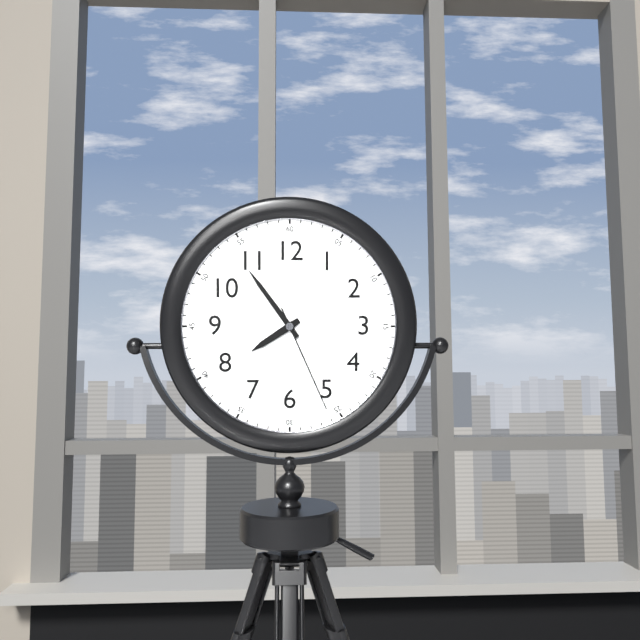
7:54:26
